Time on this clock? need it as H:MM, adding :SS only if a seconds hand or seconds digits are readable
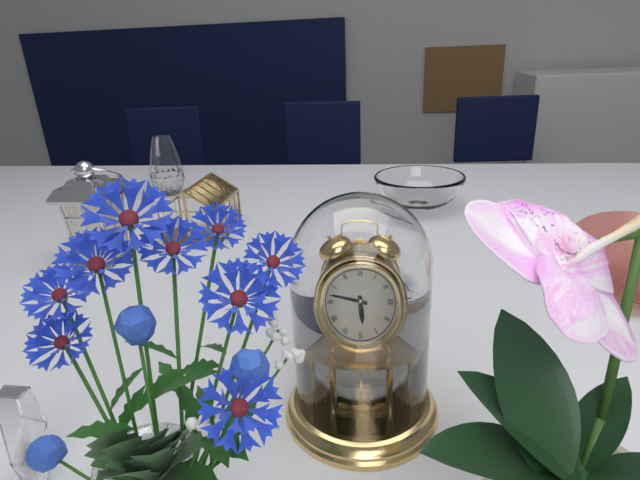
5:47
